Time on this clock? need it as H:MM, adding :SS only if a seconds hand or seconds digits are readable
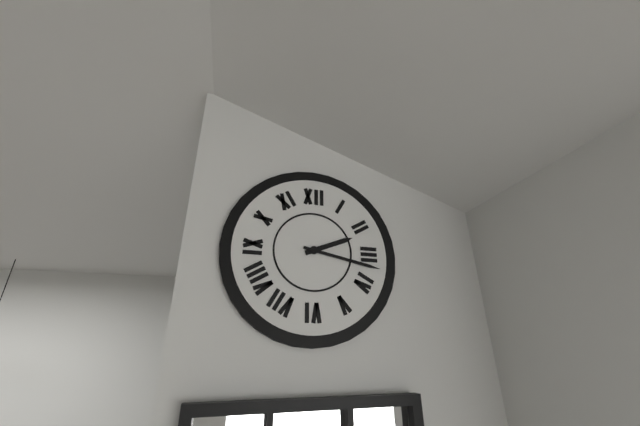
2:17
